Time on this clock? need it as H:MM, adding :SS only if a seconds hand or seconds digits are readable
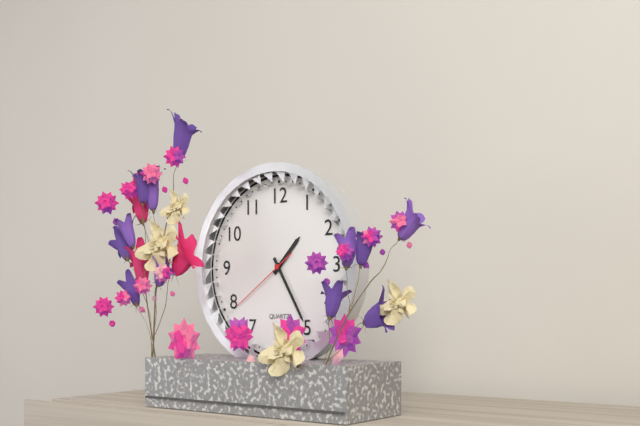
1:25:39
